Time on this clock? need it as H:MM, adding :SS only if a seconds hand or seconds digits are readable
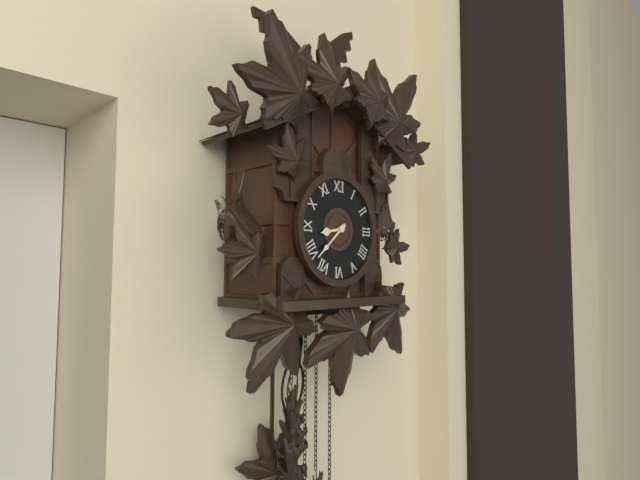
8:38
